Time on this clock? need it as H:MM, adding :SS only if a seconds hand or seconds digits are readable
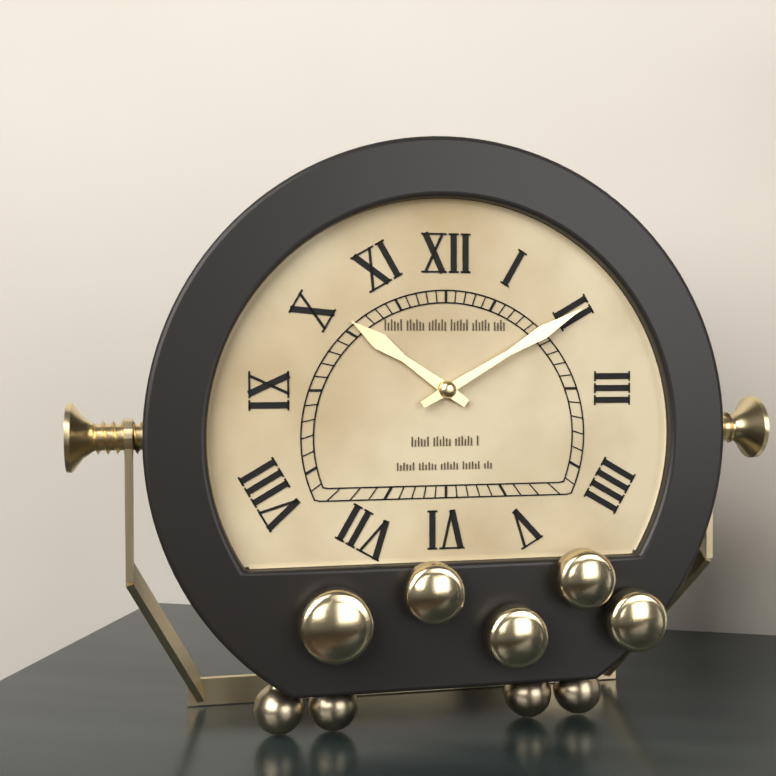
10:10
